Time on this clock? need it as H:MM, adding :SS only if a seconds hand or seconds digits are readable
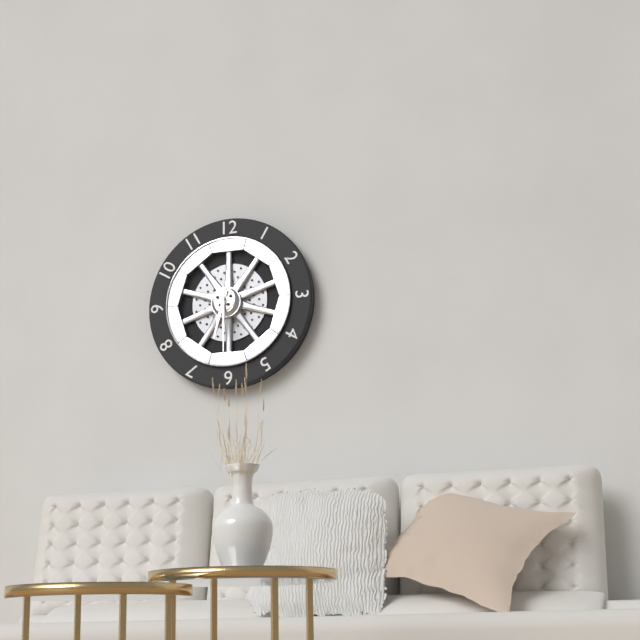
6:30
